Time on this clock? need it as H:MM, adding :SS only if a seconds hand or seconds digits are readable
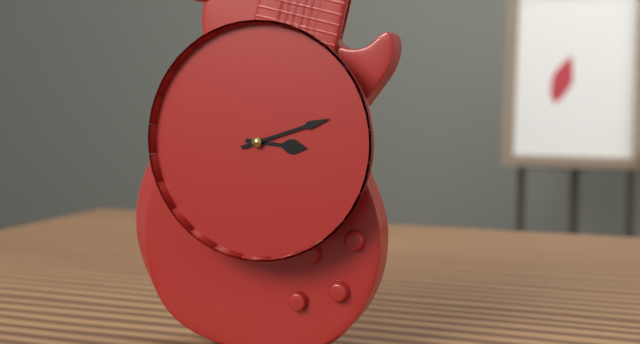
3:12
